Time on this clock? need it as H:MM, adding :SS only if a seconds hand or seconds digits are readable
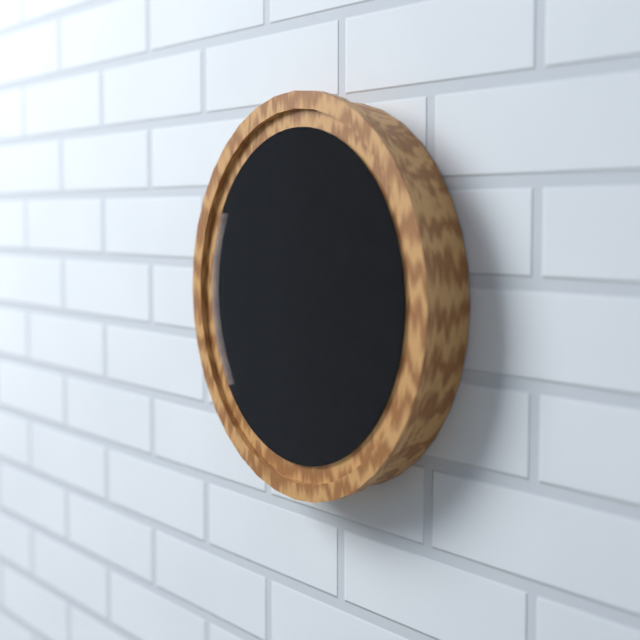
1:02:11
